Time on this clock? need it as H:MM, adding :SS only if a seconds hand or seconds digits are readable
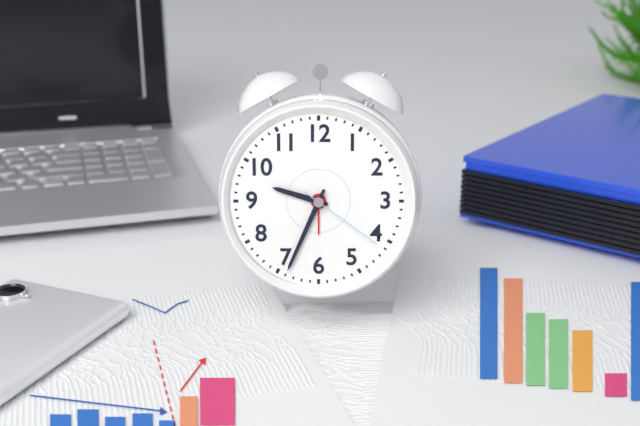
9:34:21
